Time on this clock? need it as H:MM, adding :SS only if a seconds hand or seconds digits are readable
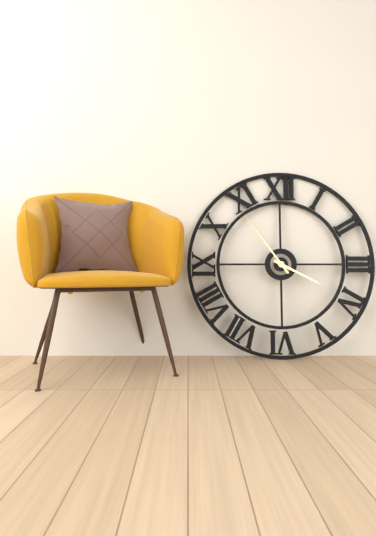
3:54
